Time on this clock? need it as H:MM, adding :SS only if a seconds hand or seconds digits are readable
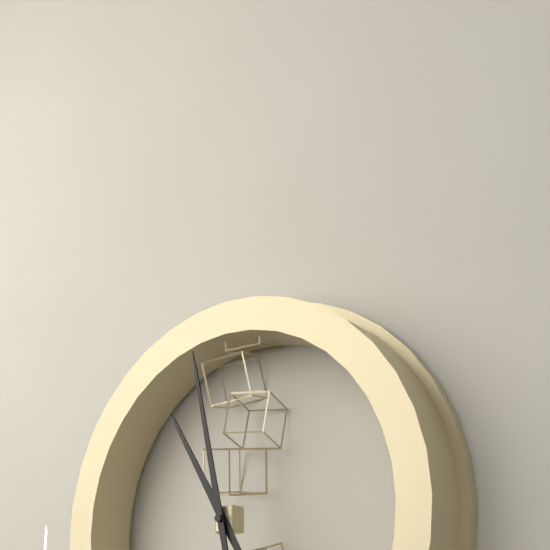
10:58
